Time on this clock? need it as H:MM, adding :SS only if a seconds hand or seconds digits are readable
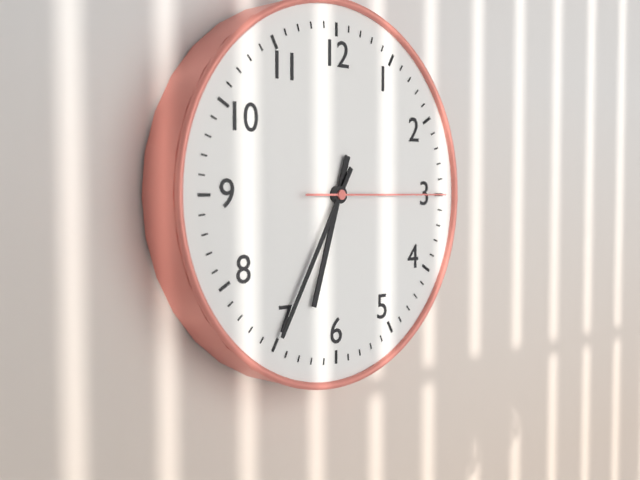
6:35:15
